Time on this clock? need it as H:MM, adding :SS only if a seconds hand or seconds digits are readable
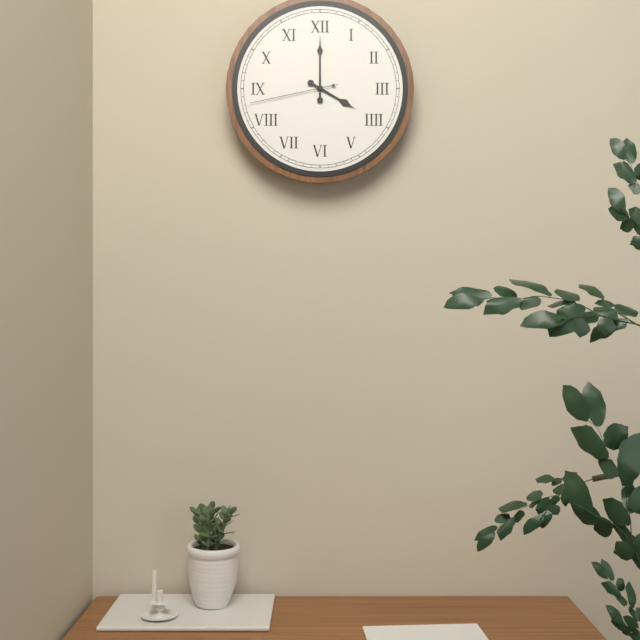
4:00:43
